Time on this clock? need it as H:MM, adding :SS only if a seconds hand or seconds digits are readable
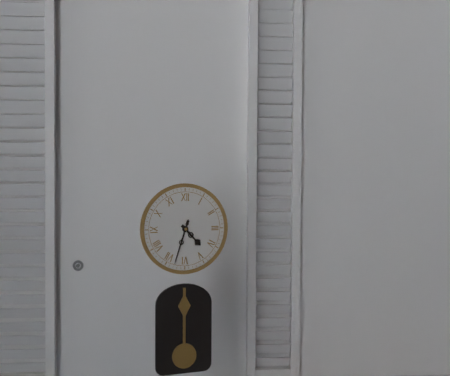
4:33
